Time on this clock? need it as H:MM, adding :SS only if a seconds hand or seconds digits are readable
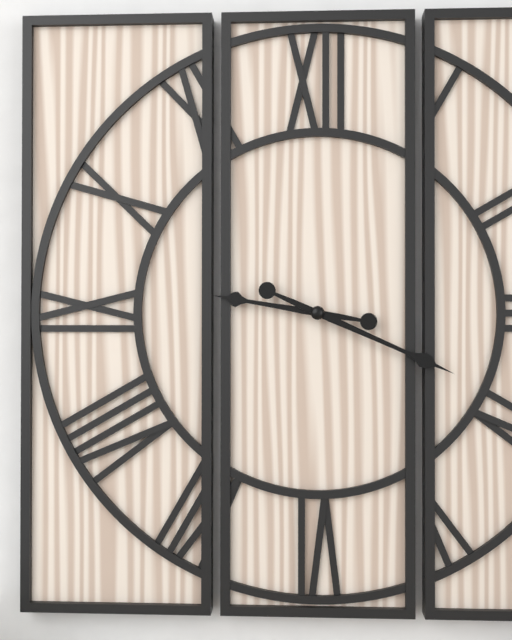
9:19
